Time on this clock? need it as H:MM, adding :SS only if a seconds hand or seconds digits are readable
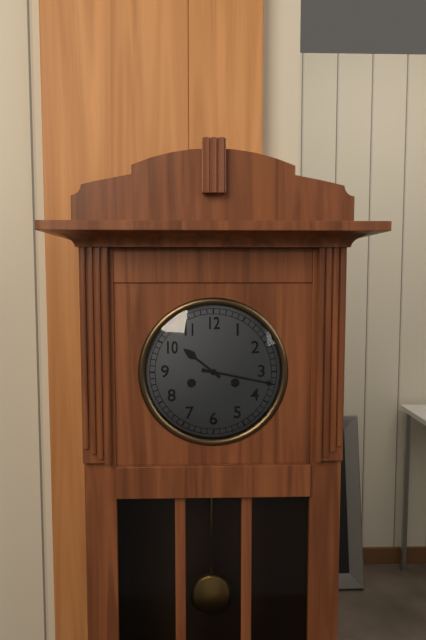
10:17
